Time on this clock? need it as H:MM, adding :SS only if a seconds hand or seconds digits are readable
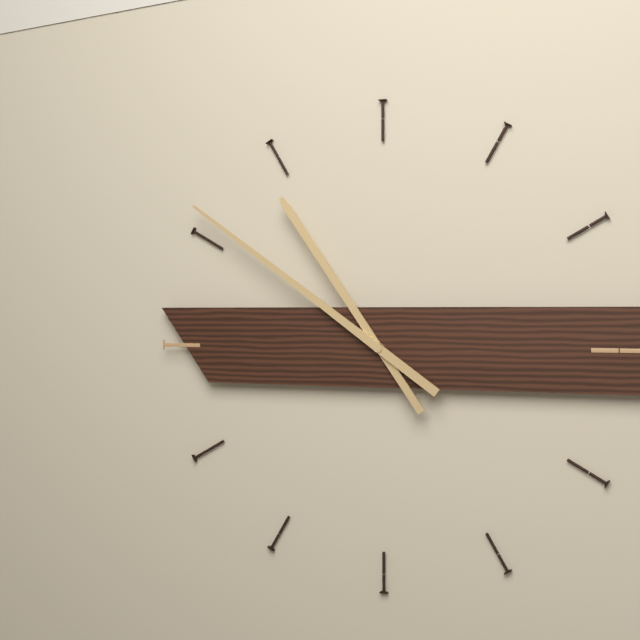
10:51
